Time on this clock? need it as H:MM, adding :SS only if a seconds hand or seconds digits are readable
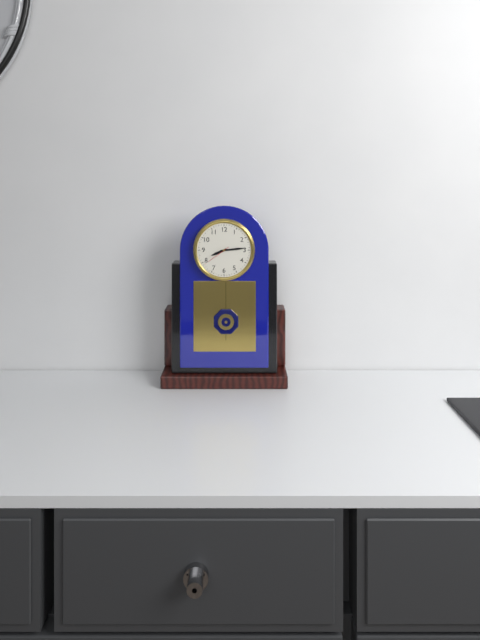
8:14
